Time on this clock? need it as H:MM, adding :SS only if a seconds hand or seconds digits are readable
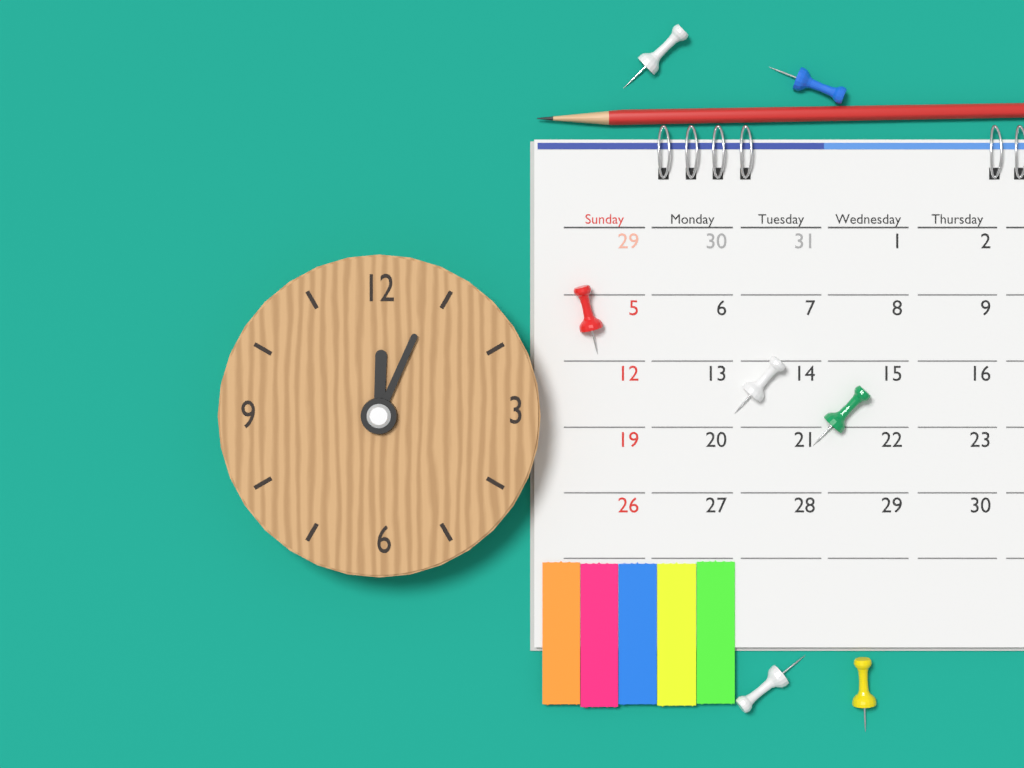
12:04
